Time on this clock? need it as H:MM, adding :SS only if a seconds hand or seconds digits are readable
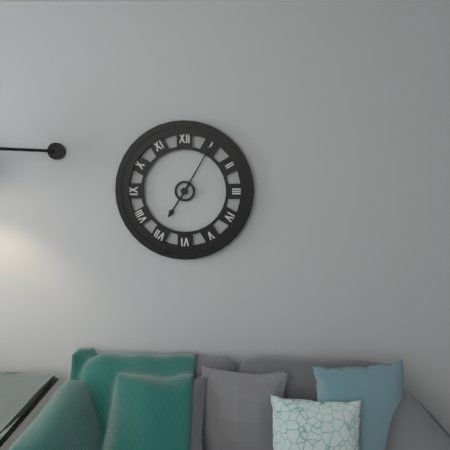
7:05
